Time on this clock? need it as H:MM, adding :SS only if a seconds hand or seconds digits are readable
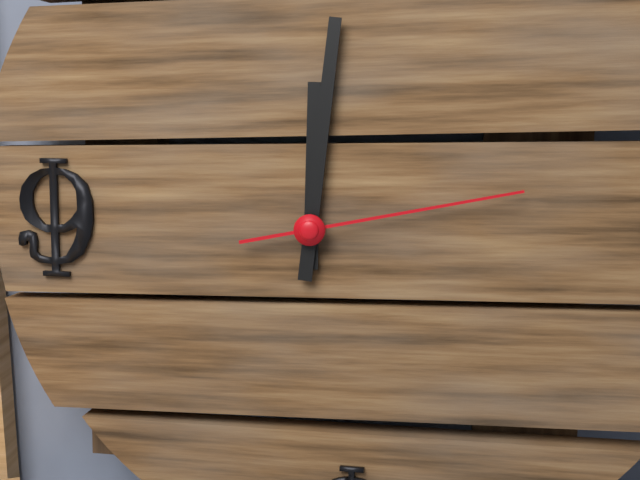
12:01:13
